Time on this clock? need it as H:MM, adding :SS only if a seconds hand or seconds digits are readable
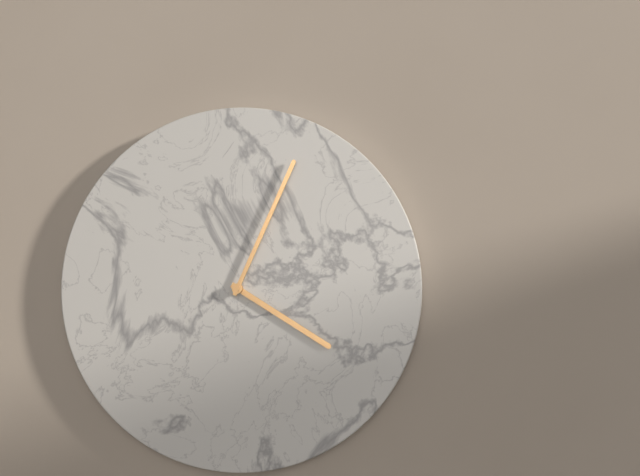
4:04
